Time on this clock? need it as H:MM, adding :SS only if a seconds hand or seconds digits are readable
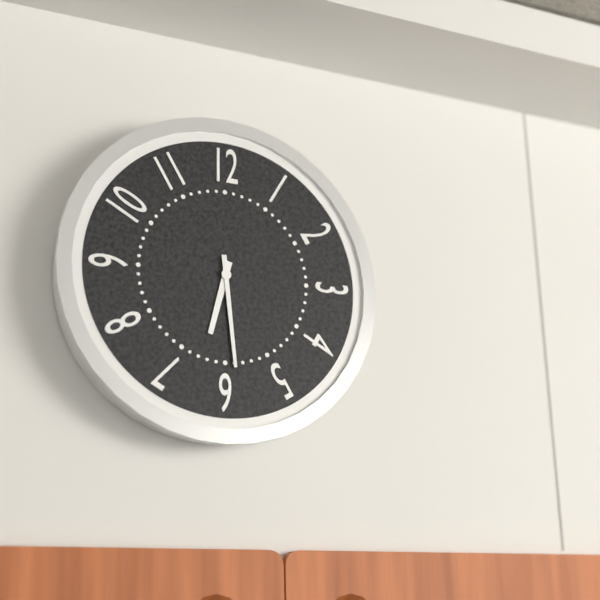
6:29
